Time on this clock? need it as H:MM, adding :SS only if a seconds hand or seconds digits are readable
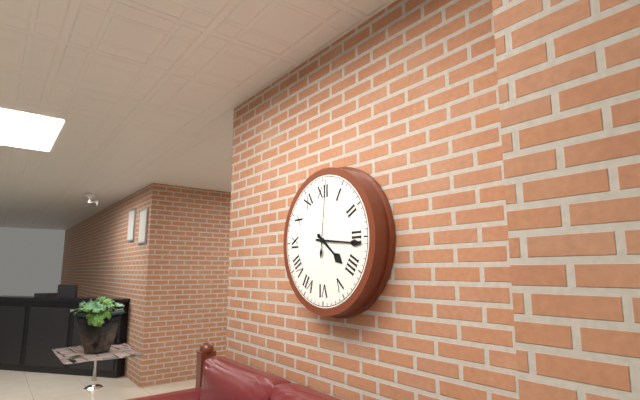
4:16:01
